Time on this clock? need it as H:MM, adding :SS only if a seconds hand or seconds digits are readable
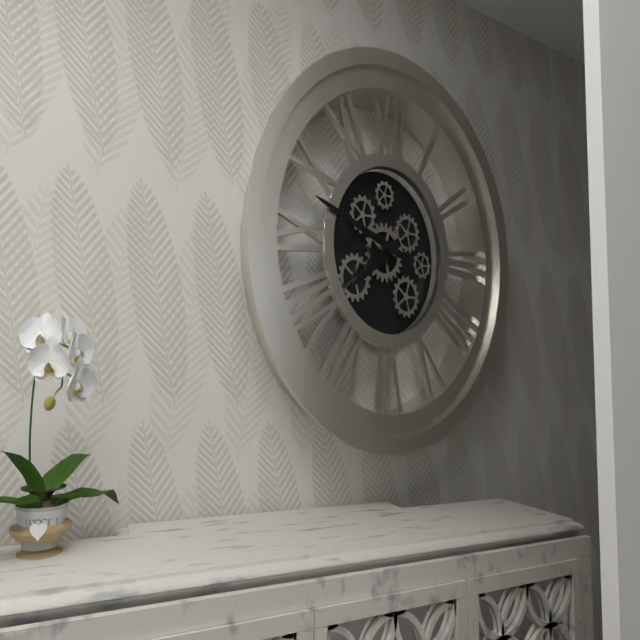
7:48
